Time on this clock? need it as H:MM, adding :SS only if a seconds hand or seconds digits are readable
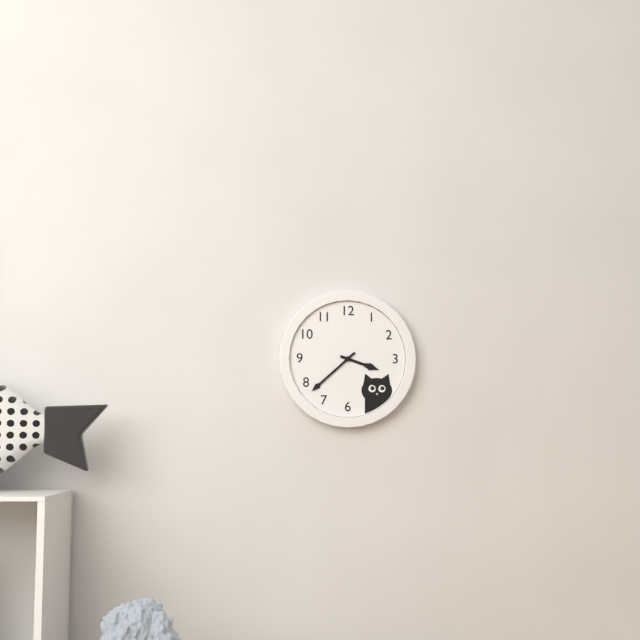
3:38
